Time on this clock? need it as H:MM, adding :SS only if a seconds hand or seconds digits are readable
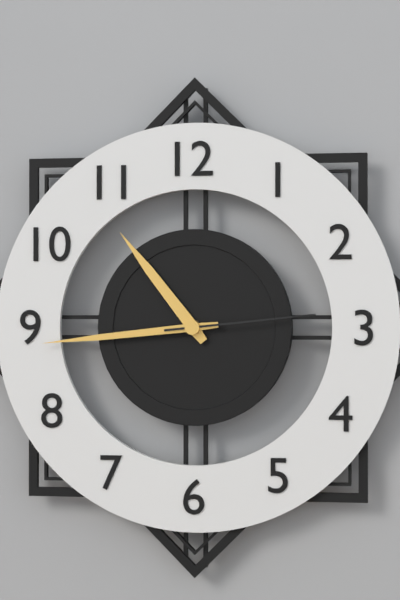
10:44:14
